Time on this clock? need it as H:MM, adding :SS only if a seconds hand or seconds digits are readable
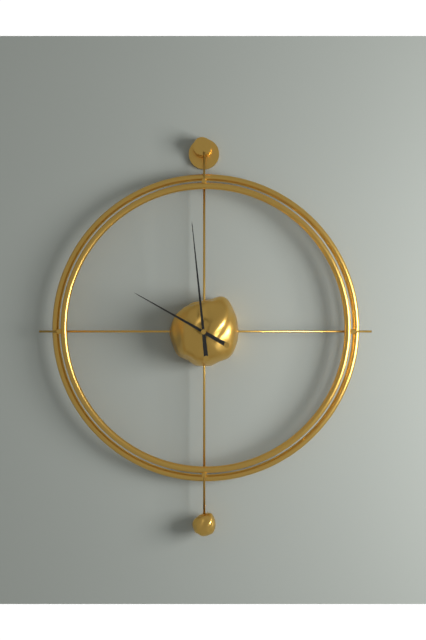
9:59
